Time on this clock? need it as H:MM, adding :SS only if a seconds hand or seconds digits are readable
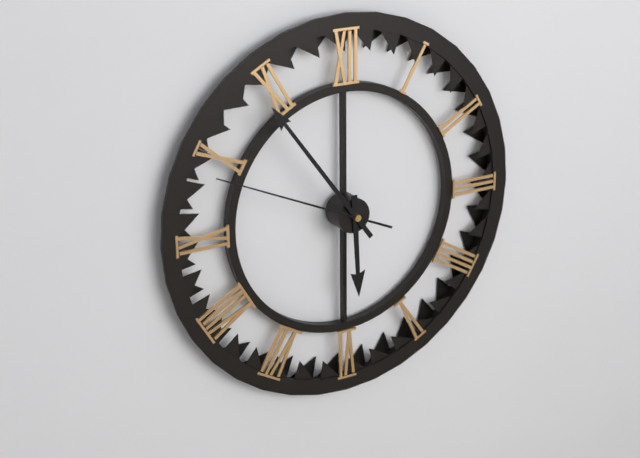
5:54:49
